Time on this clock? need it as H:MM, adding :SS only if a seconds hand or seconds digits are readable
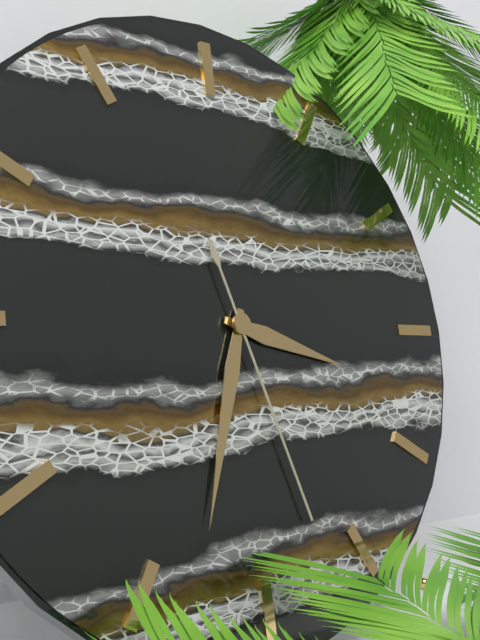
3:33:27
